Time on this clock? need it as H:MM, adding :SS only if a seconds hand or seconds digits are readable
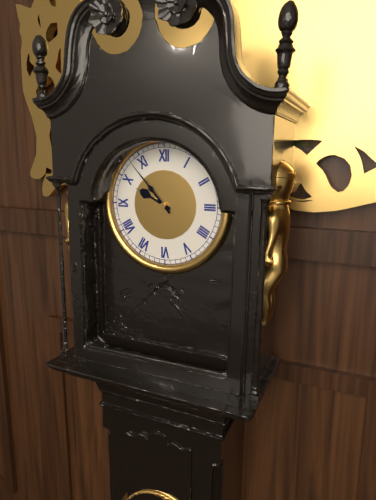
9:53
